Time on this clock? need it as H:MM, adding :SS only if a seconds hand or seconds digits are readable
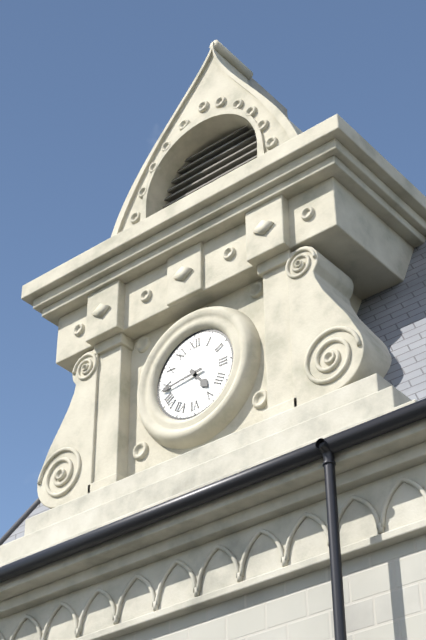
4:44
